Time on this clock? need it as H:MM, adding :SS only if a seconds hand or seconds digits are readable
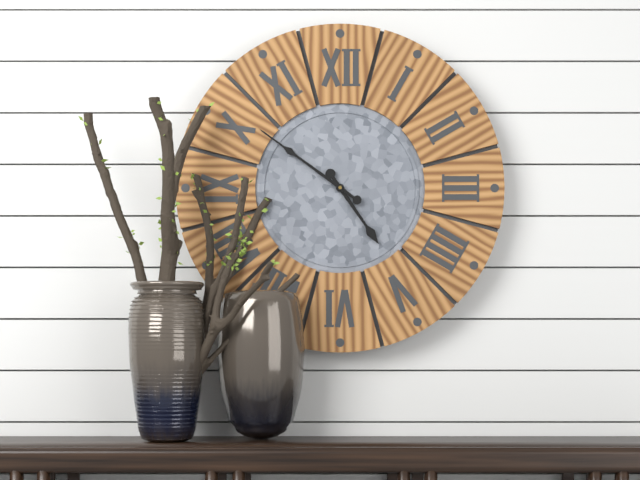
4:51
